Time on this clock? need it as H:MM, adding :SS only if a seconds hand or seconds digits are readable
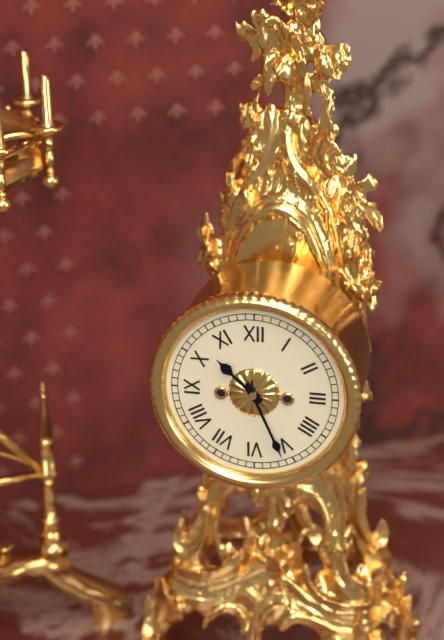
10:26
